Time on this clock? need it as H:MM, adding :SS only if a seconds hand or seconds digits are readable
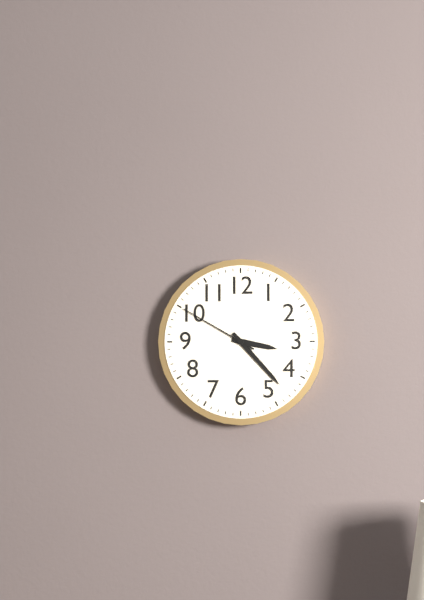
3:23:50
